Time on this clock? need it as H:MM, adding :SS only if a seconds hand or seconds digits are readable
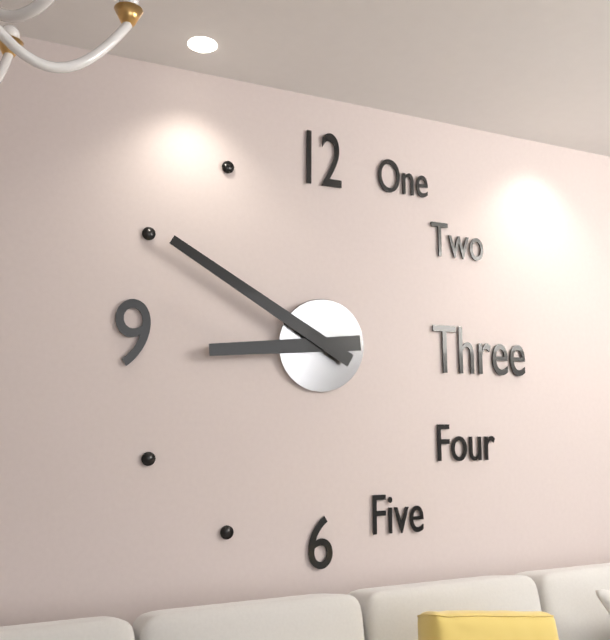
8:50
